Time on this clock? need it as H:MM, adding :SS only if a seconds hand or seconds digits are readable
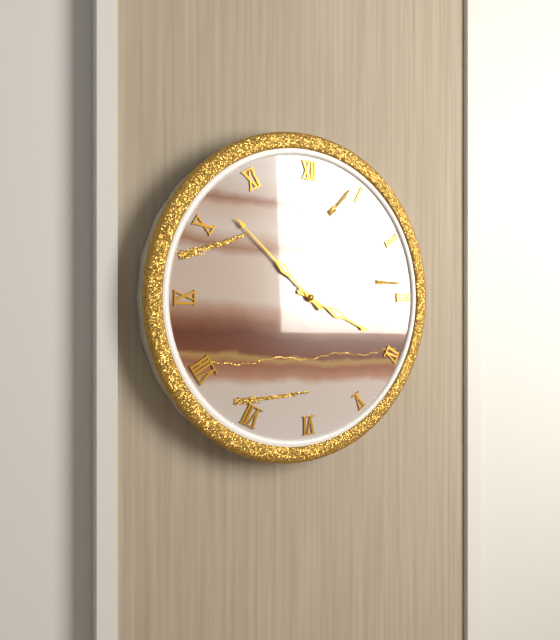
3:52
